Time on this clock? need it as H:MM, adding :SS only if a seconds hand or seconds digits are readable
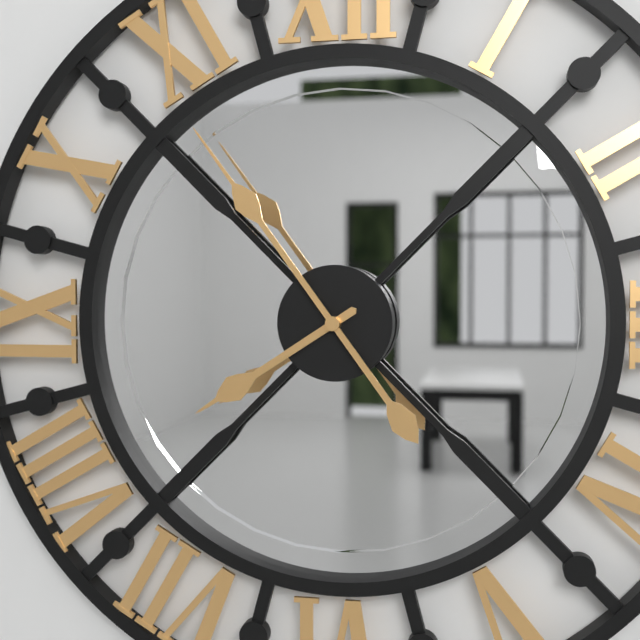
7:54
